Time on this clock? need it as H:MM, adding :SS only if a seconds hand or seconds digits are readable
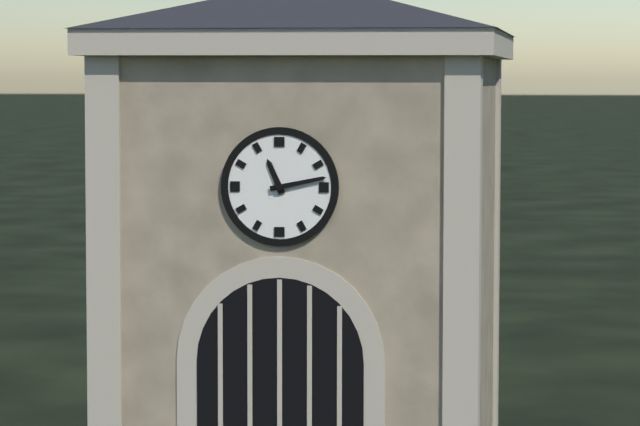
11:13
